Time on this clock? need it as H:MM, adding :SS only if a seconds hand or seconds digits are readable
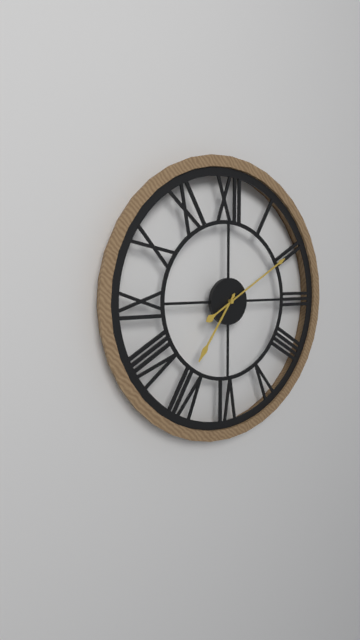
7:10
